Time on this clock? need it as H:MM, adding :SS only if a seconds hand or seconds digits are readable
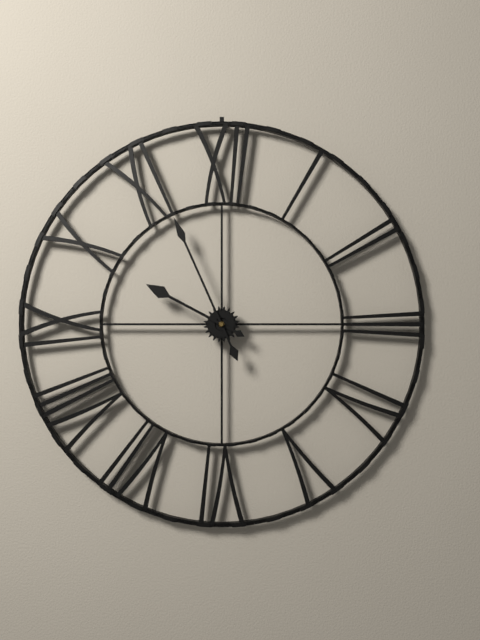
9:56
